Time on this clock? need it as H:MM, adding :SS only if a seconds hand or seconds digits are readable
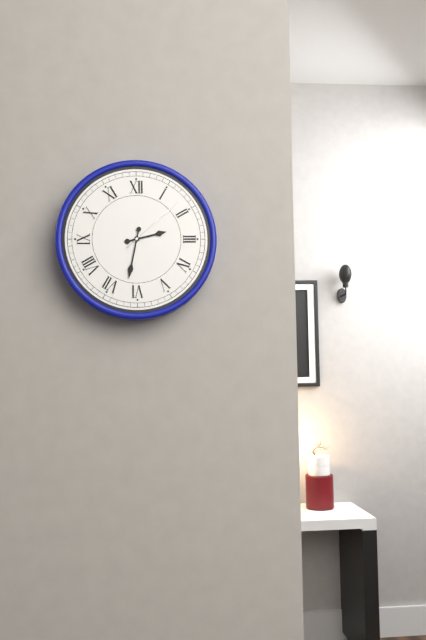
2:32:08
